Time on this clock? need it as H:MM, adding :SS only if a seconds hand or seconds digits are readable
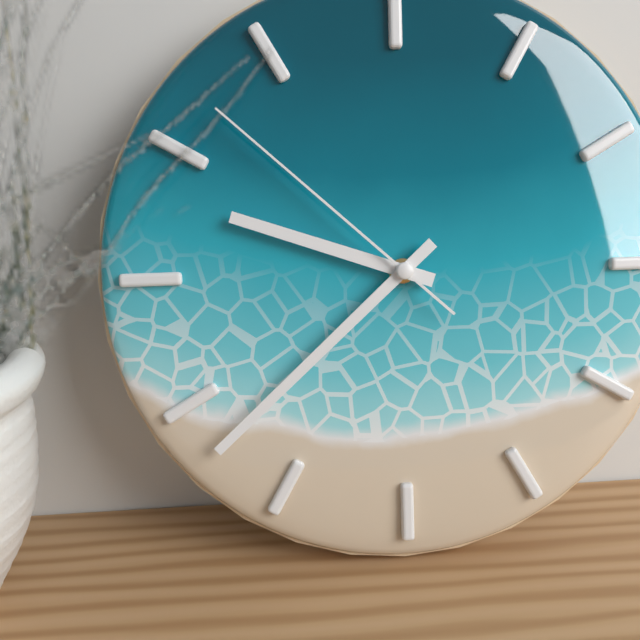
9:38:52
